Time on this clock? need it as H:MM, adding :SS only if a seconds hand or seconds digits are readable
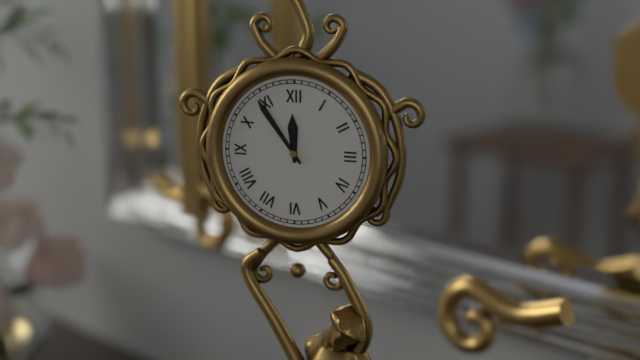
11:54
